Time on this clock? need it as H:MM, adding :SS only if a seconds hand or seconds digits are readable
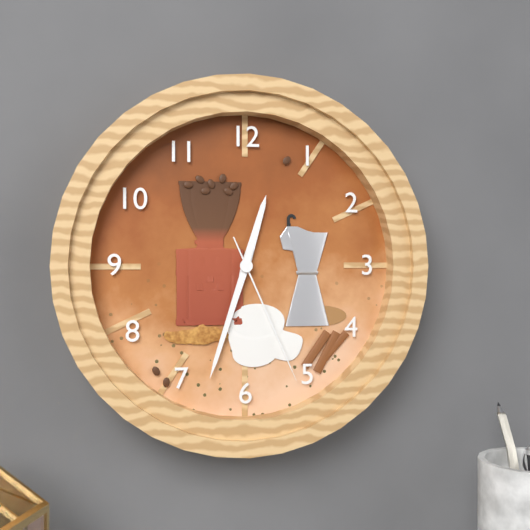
12:33:26
